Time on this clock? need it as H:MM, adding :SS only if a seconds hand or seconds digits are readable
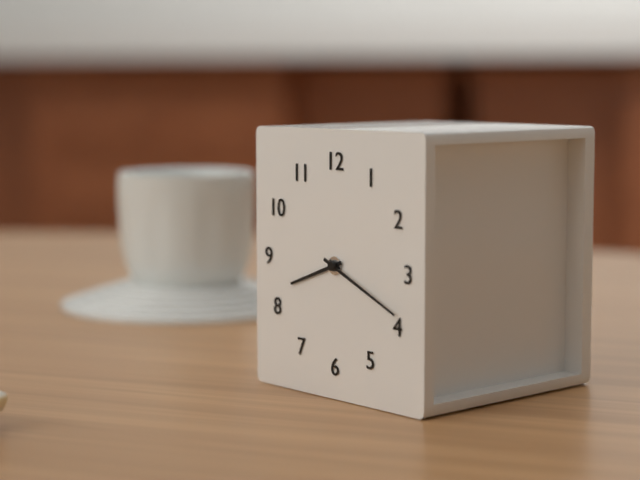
8:19
